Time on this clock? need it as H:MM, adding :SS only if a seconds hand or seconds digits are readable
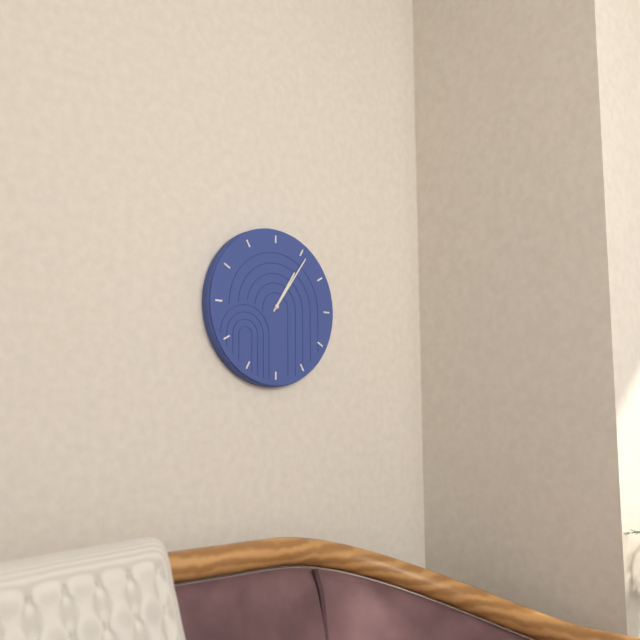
1:06
